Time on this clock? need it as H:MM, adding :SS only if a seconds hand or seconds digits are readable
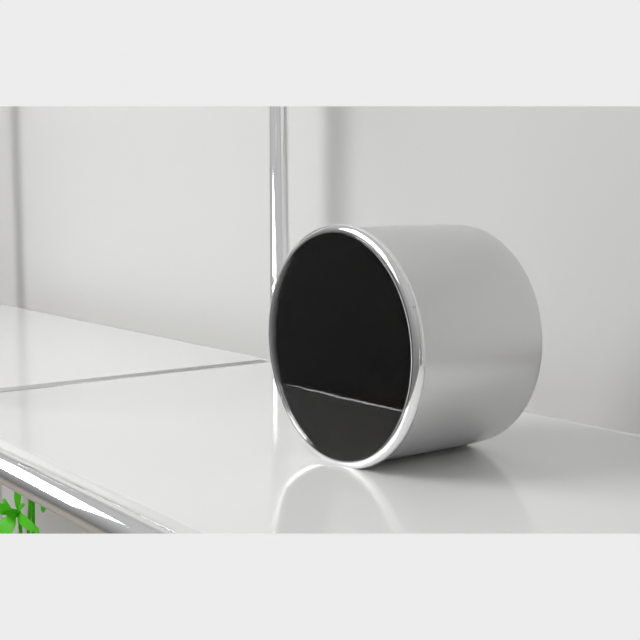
2:13:03
